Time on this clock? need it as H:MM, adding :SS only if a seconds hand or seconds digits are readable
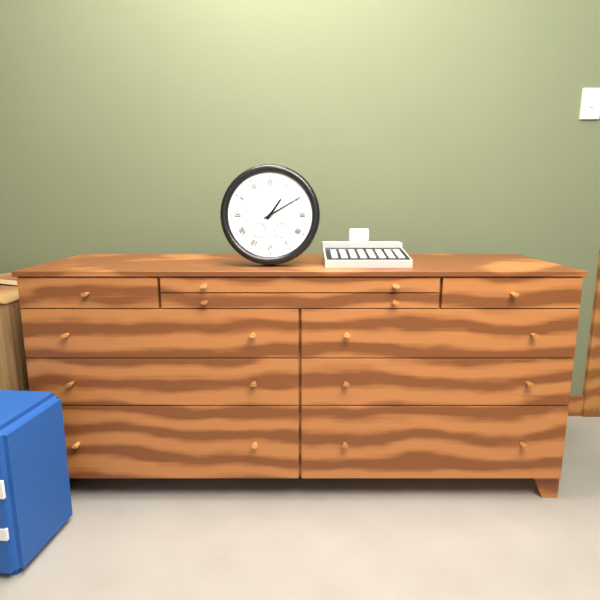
1:10
